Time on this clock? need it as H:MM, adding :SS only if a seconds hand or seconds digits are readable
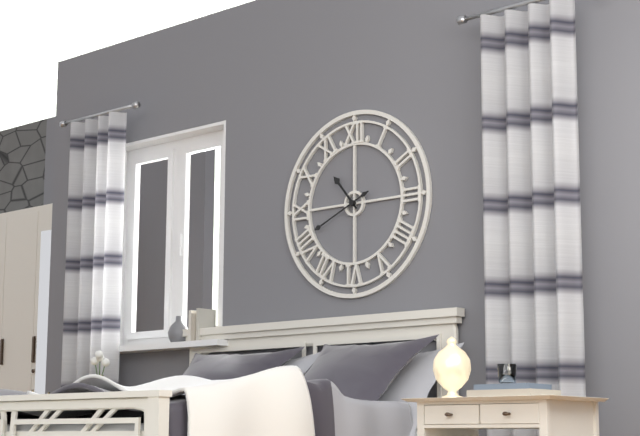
10:41
